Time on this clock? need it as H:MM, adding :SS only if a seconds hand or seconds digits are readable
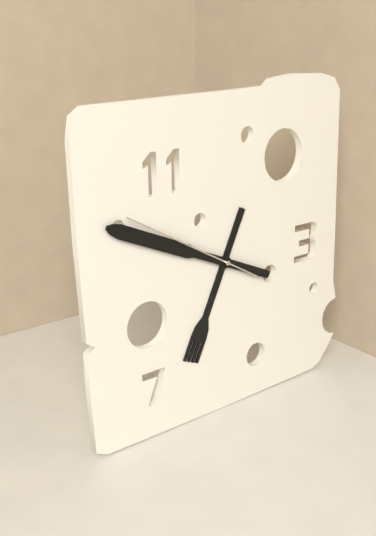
6:49:50
